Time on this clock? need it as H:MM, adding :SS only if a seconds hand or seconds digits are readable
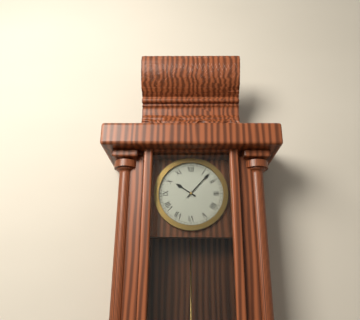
10:07
